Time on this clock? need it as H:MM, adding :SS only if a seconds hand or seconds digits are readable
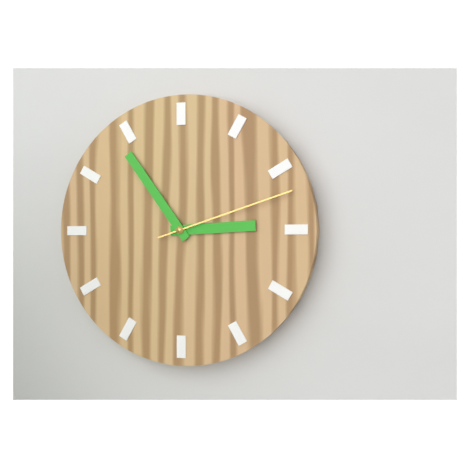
2:54:12
